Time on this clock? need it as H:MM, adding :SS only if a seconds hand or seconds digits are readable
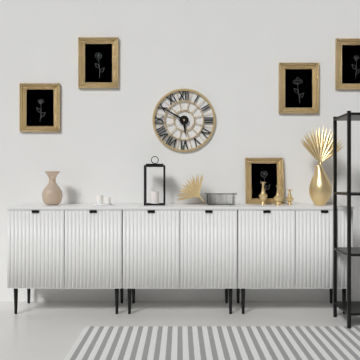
5:50
